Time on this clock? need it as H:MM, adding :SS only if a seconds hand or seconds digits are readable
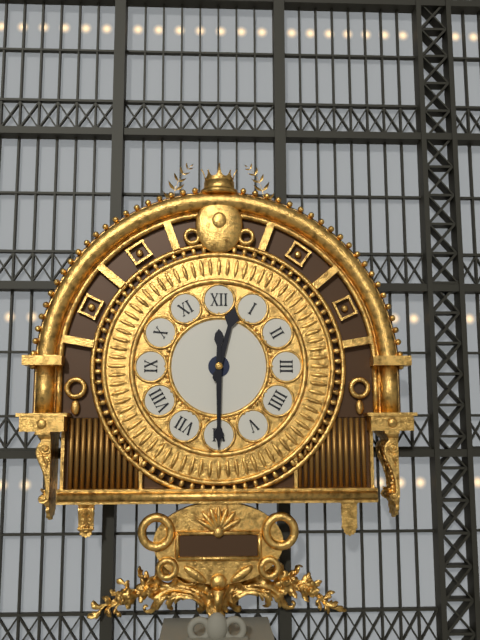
12:30
